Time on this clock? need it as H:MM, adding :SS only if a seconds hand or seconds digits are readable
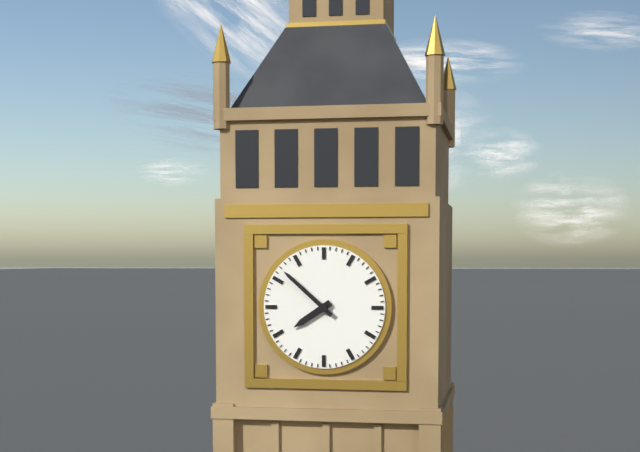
7:52
